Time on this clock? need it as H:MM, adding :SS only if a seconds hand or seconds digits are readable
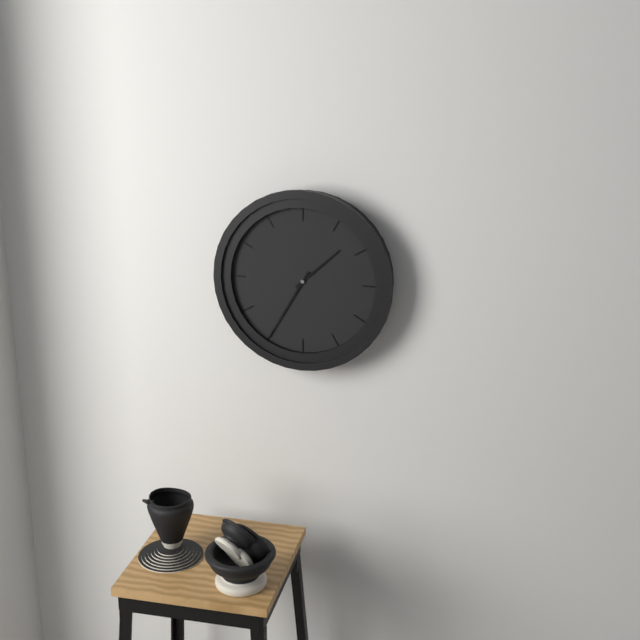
1:35
